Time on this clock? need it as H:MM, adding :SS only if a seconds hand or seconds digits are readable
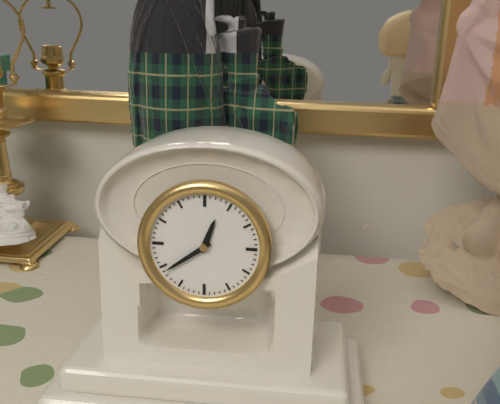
12:39
